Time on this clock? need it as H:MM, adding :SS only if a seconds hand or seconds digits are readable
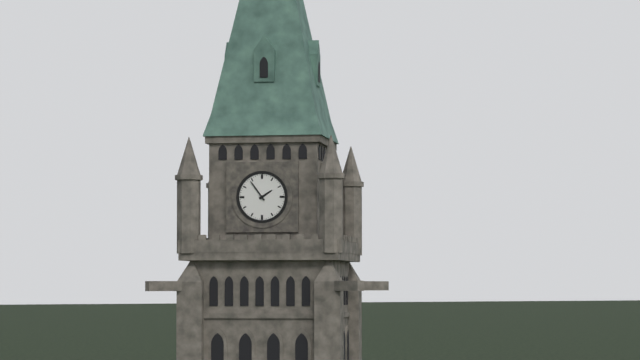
1:54
